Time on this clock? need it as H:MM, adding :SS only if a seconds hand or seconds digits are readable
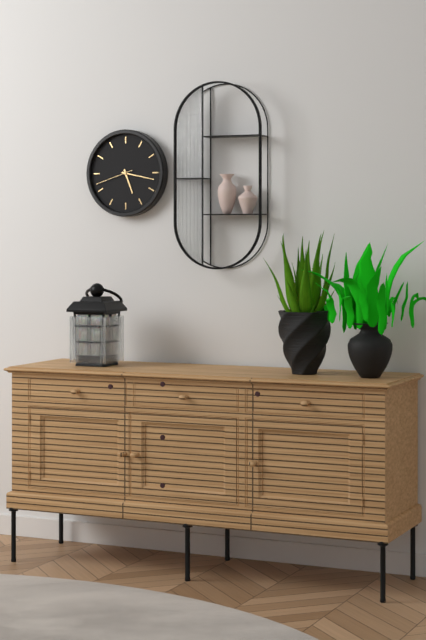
5:17
